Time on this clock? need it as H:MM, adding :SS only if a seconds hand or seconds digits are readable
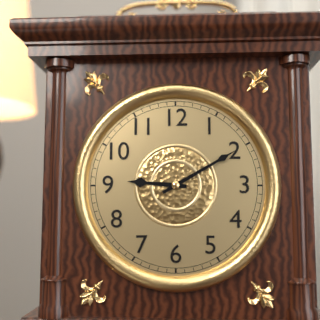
9:10
